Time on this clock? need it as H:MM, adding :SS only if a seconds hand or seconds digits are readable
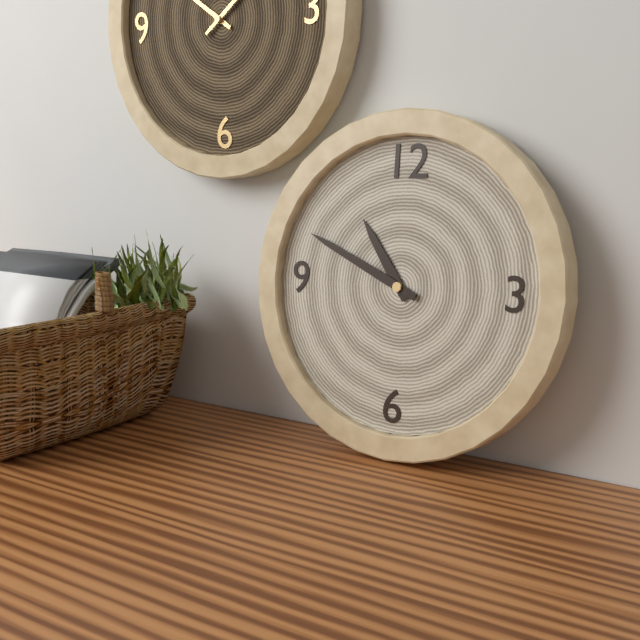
10:49
